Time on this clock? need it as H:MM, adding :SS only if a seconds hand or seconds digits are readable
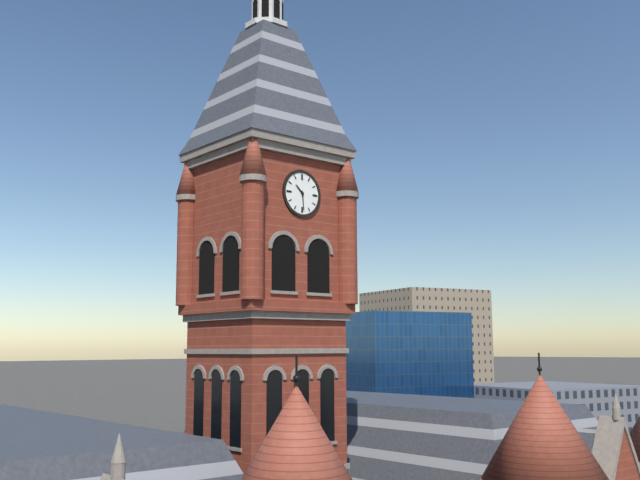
10:29
